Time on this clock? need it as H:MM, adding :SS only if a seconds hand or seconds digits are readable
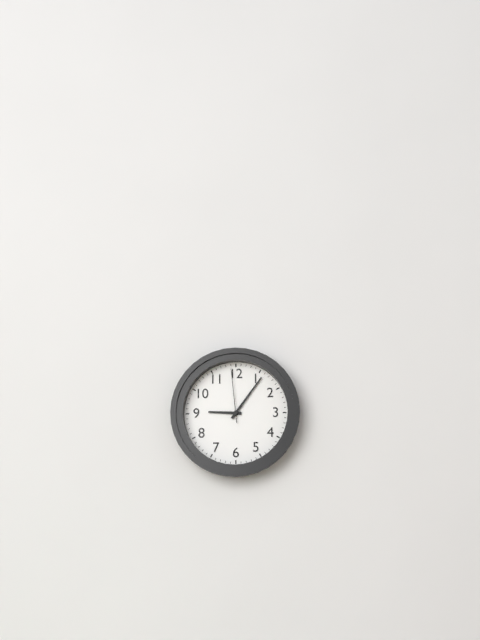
9:06:59
